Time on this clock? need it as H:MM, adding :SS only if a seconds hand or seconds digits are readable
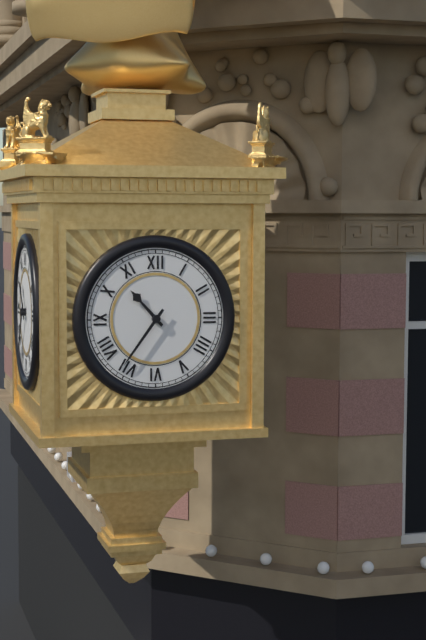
10:36
